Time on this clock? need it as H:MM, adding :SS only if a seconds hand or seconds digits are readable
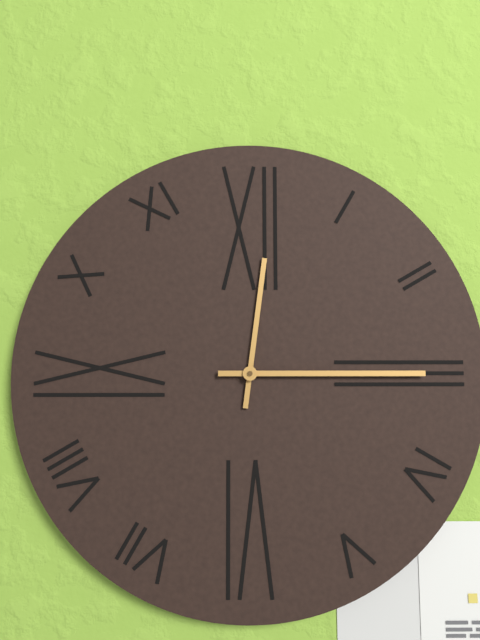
12:15
